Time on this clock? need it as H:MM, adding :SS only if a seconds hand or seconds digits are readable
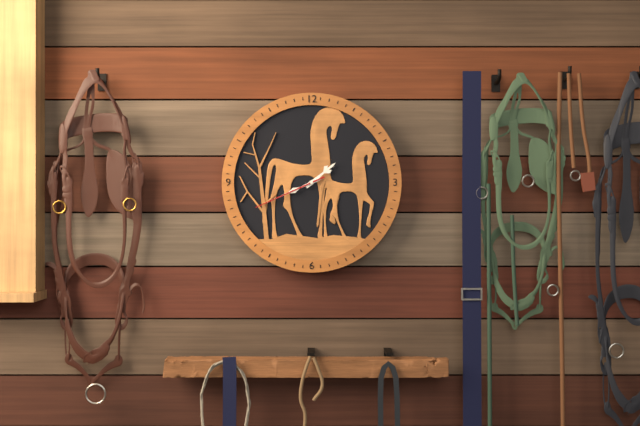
1:41:41
